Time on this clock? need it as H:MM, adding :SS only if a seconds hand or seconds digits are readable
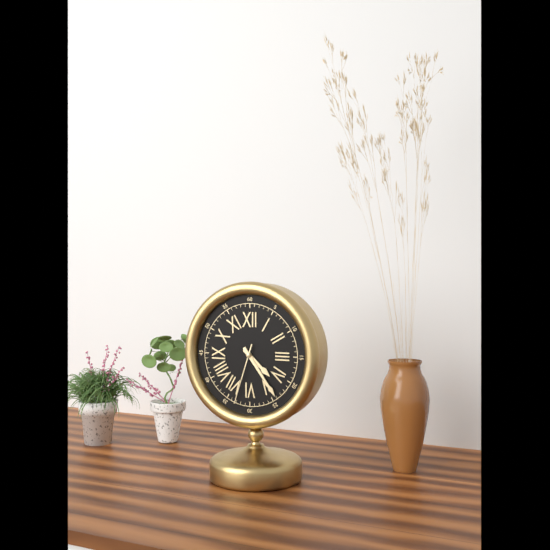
4:24:33
